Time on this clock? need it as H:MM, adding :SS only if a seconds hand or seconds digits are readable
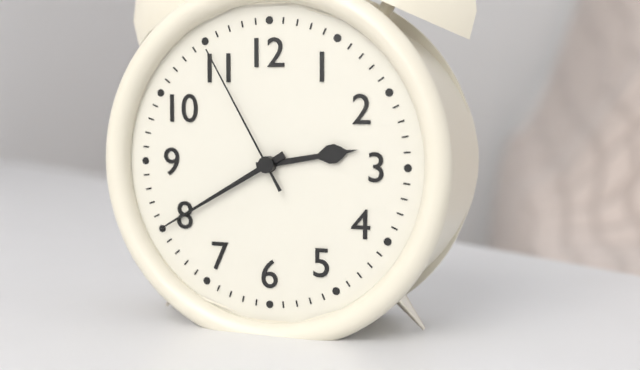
2:40:55
